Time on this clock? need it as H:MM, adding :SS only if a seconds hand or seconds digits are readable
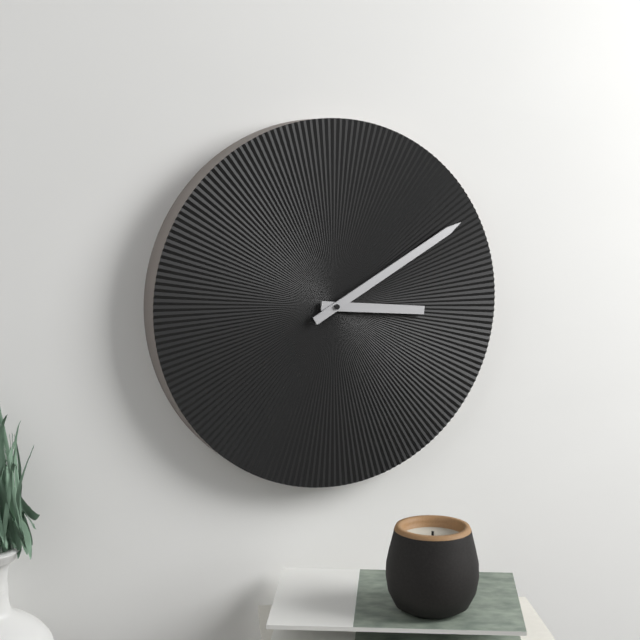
3:10
